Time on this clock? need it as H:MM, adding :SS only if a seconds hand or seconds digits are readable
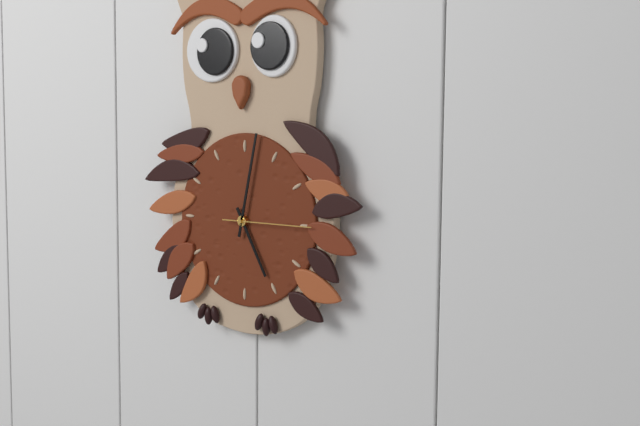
5:02:15
